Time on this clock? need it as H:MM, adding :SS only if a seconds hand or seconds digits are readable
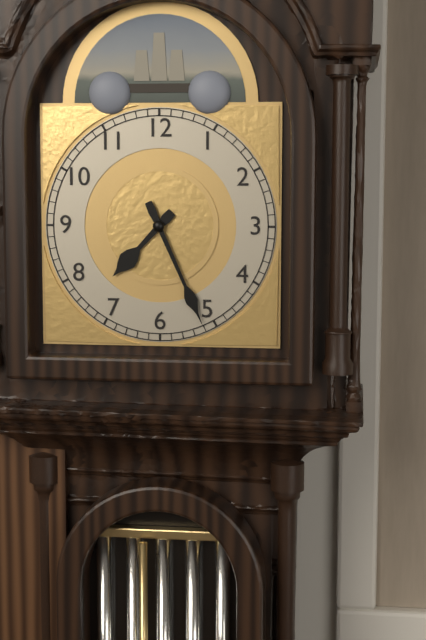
7:26
